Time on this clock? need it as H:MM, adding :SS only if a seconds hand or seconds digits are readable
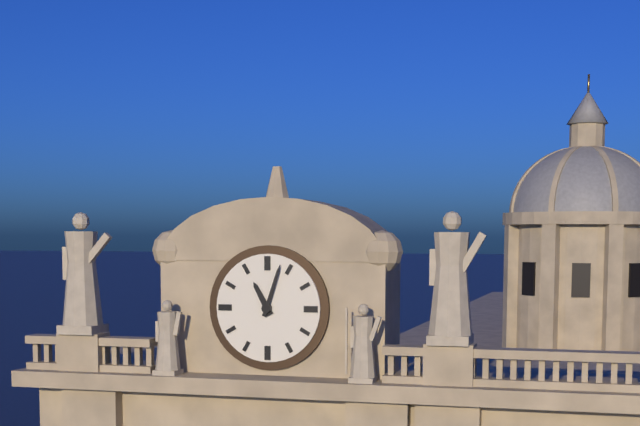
11:03
